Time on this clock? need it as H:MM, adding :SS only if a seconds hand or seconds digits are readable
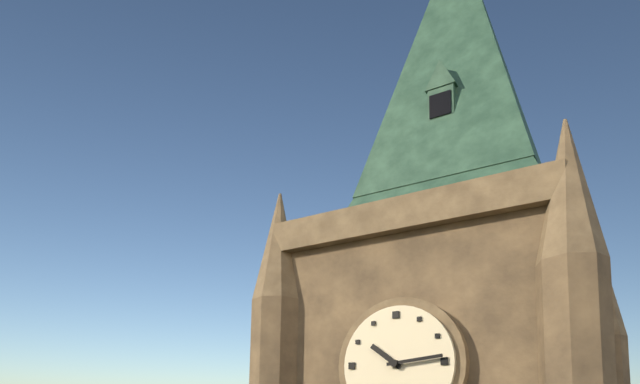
10:14
